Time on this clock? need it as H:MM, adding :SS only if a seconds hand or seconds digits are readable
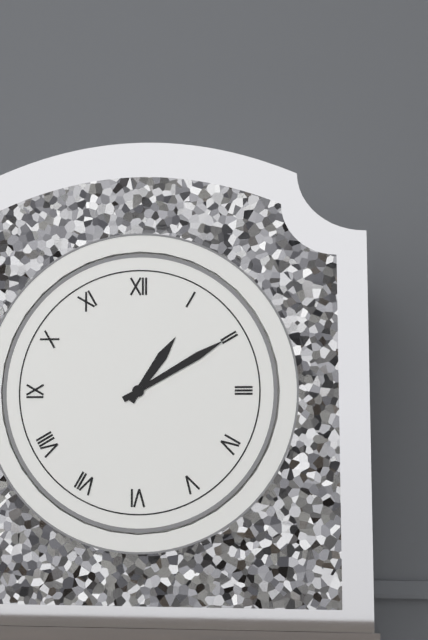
1:10
